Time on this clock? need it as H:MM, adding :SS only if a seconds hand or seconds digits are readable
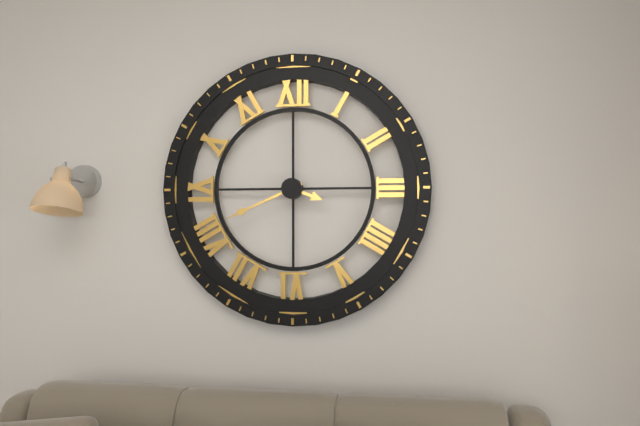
3:41
